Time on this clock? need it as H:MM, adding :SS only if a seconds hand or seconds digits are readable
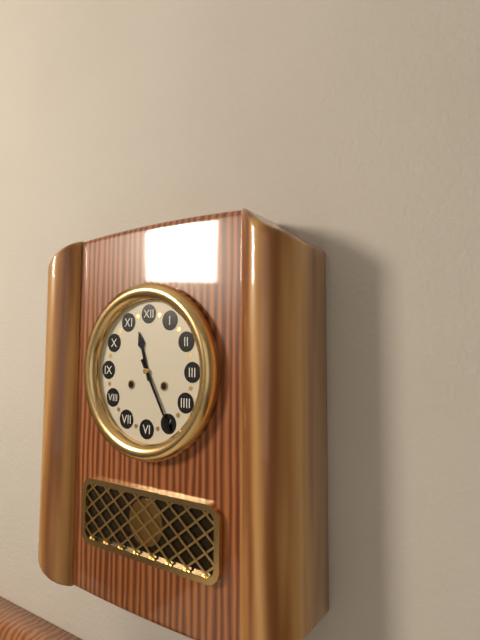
11:25
